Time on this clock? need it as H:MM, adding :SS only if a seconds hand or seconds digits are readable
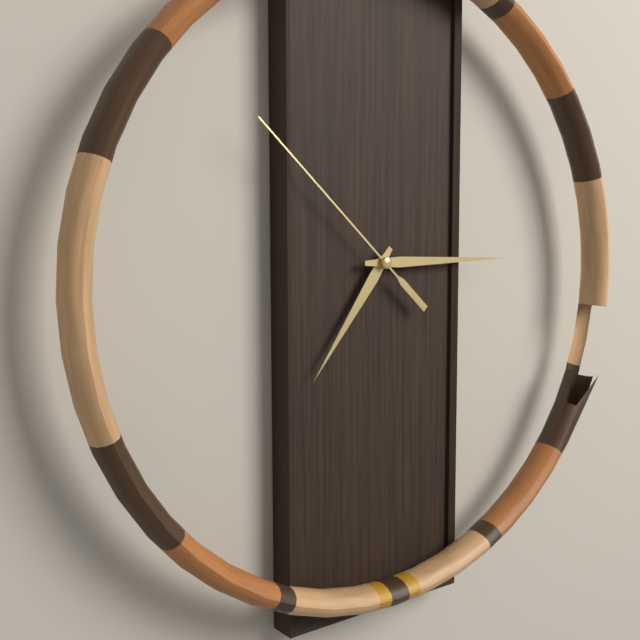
7:15:52
